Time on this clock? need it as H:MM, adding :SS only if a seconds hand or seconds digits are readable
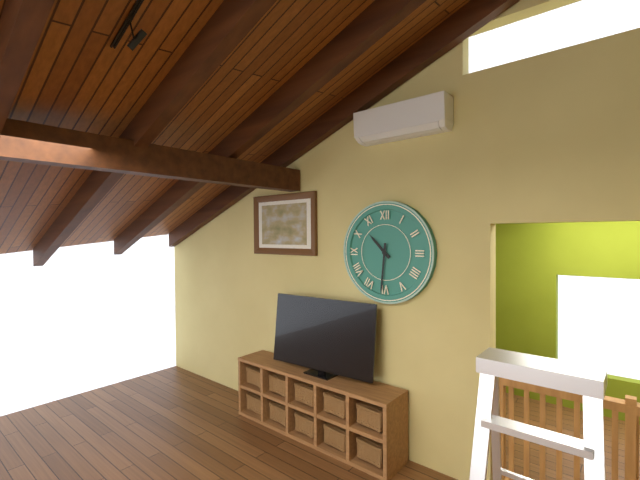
10:31
